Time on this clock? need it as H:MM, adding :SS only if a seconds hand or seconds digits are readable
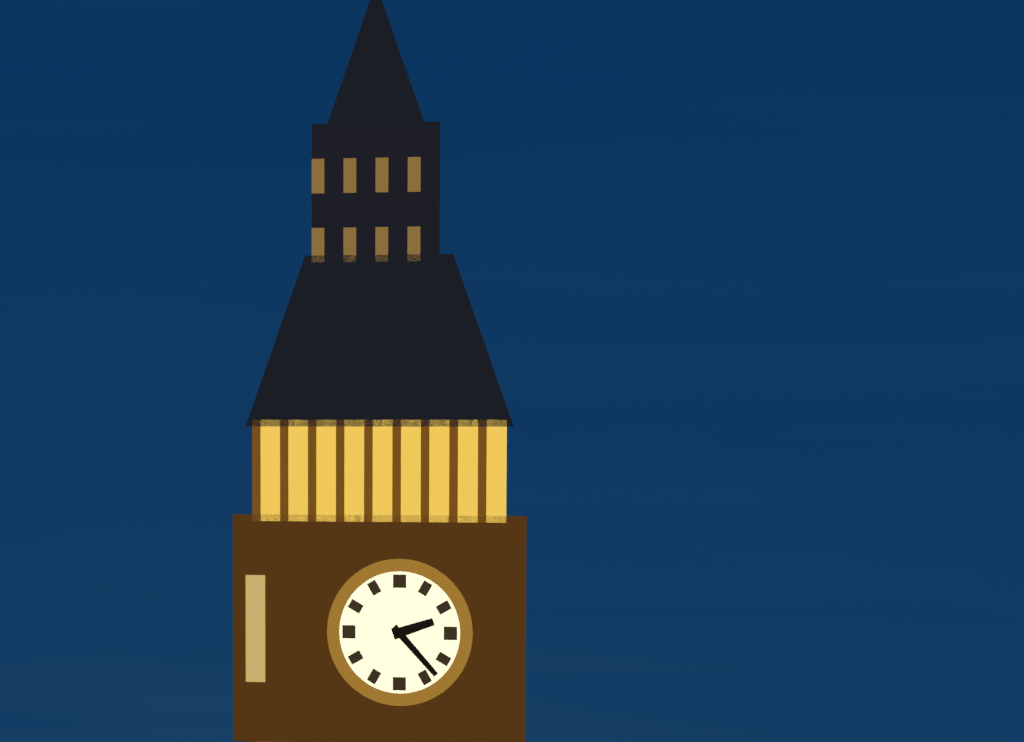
2:23
